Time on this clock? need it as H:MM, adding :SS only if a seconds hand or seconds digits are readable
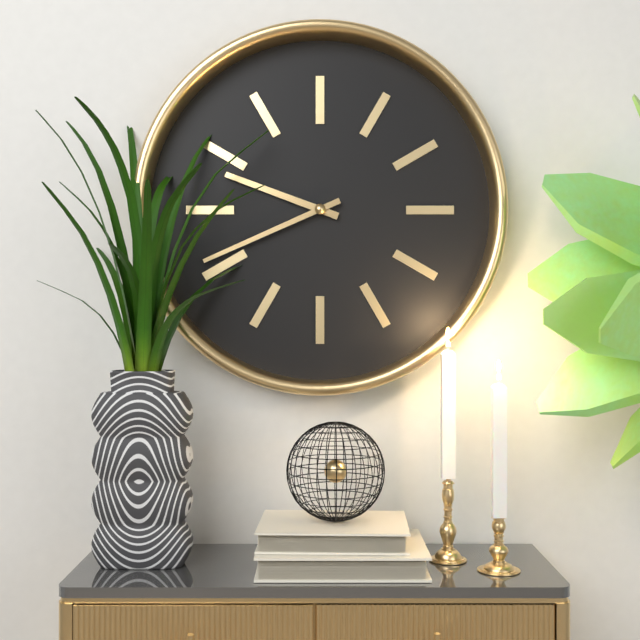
9:41
